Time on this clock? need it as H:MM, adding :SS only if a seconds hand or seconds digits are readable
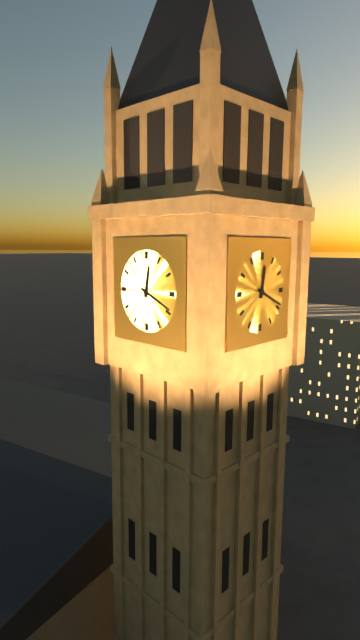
12:19
